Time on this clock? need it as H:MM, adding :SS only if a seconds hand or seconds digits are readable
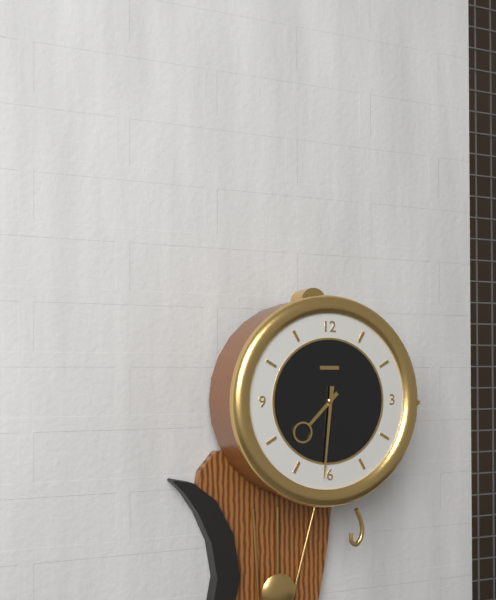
7:31
